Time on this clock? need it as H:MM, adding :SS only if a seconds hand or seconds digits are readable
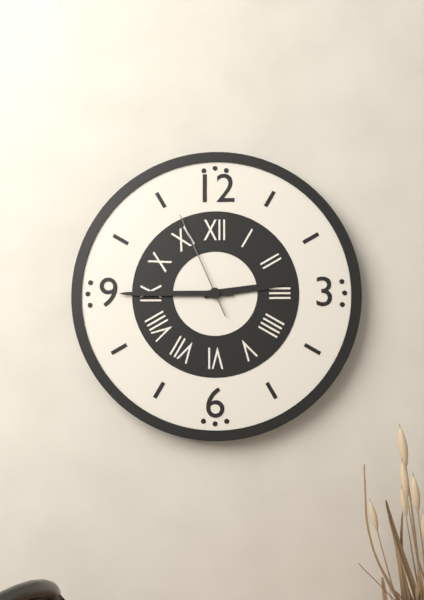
2:45:56
